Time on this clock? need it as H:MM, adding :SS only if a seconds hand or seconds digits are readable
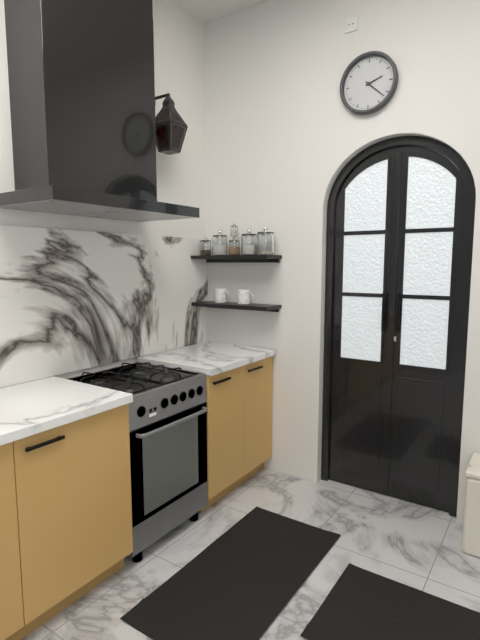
2:22
